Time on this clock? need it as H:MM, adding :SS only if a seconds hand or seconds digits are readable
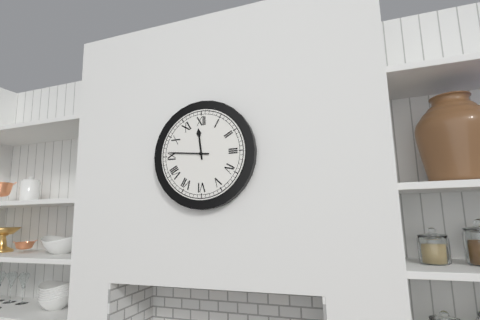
11:46
